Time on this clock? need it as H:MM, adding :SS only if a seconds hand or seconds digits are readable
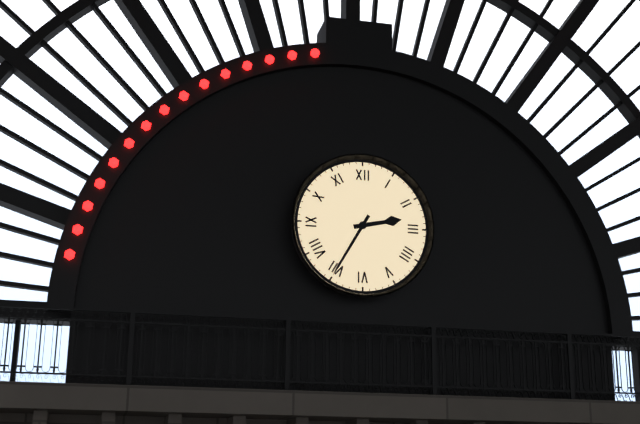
2:35
